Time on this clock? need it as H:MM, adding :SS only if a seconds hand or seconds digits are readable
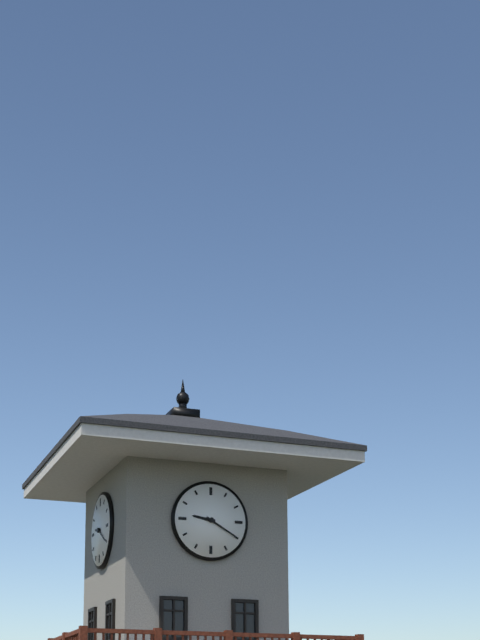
9:20
